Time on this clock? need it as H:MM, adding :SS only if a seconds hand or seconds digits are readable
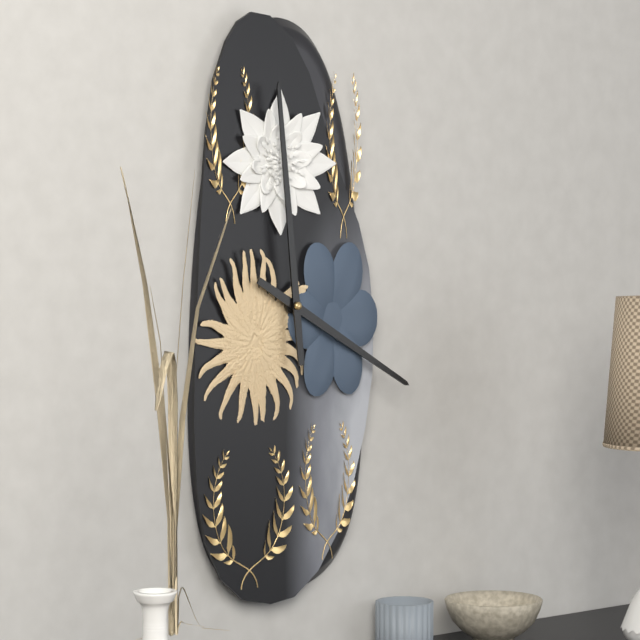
3:59
